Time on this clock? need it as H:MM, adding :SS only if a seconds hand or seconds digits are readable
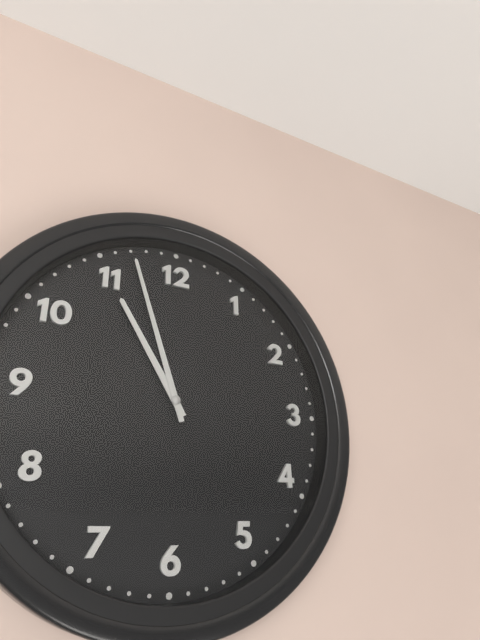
10:57
